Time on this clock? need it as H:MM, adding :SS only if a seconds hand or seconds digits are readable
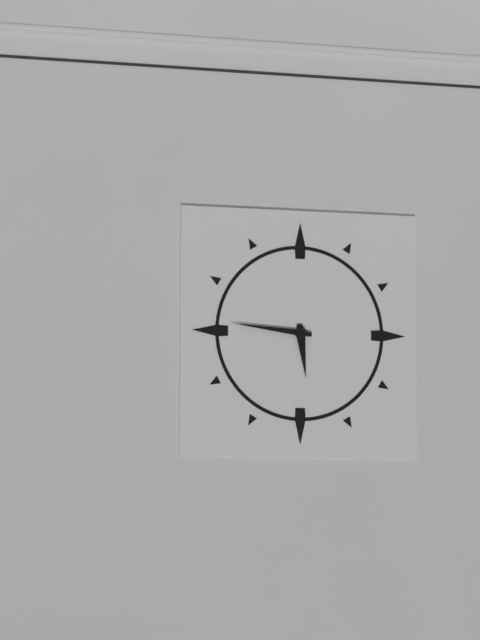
5:46
